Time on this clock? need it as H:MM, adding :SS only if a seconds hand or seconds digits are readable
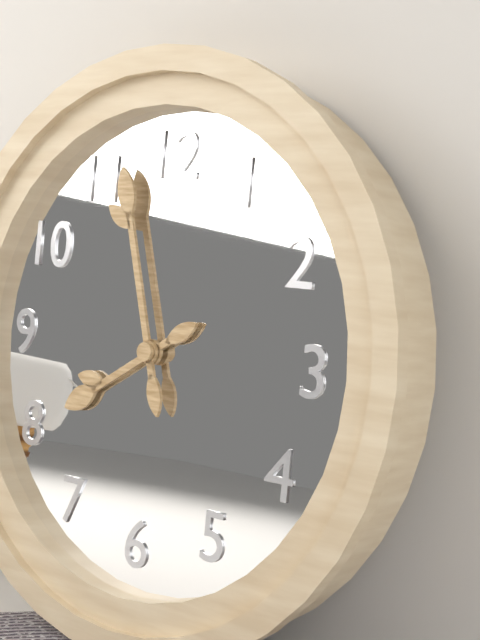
7:57
